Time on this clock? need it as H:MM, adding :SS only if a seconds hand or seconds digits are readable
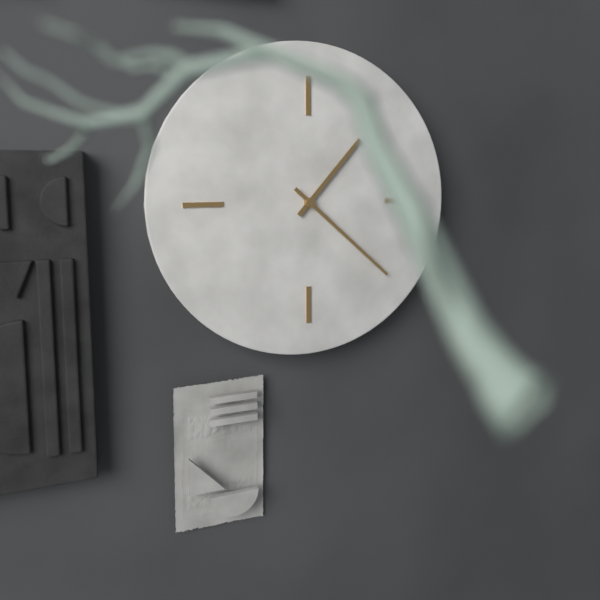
1:22
